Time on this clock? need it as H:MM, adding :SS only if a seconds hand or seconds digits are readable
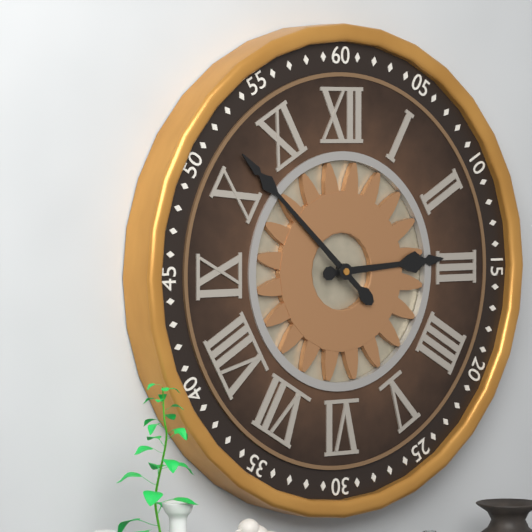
2:52
